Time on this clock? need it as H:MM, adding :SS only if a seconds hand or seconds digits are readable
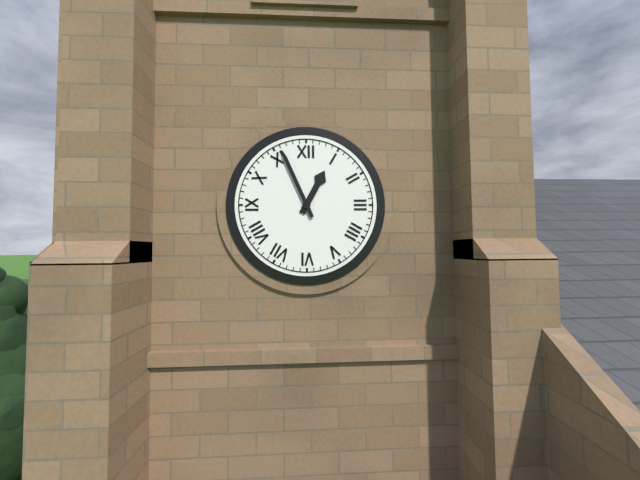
12:56
